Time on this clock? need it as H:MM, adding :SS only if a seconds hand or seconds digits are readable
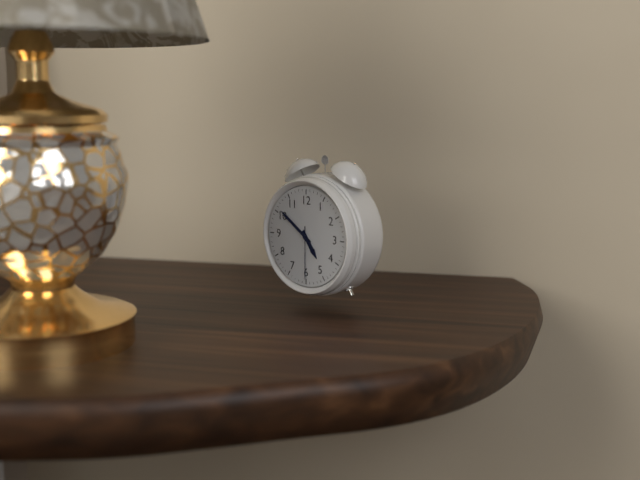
4:51:30
